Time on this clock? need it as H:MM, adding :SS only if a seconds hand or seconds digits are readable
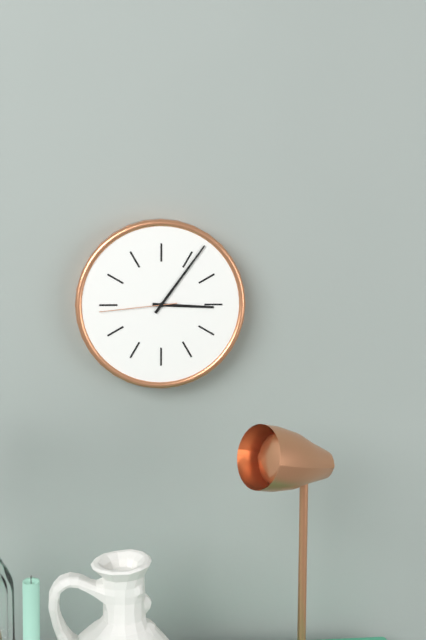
3:06:44
